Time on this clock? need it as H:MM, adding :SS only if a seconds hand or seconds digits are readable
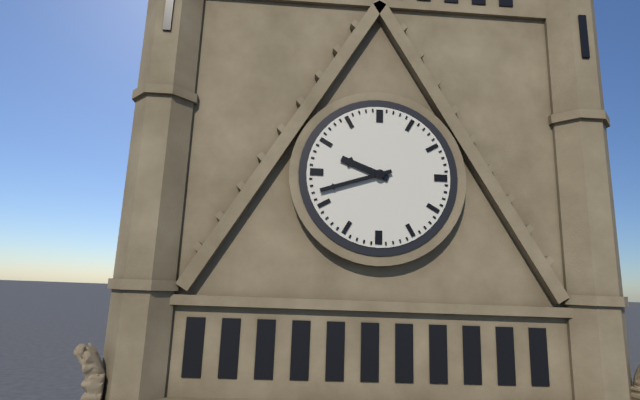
9:42
